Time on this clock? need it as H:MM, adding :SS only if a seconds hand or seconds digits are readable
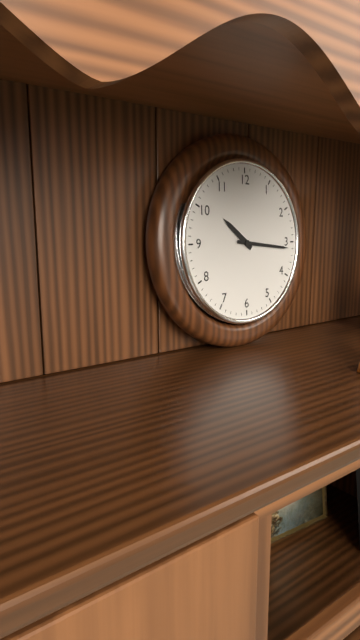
10:16
